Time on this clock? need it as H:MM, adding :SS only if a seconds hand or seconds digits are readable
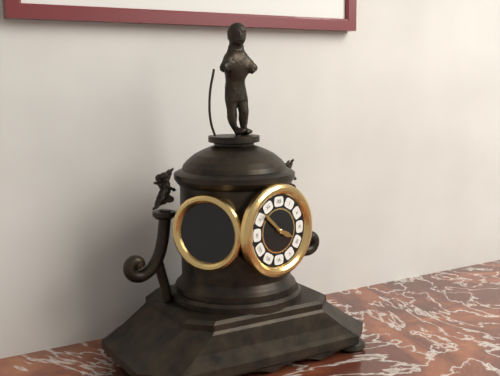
3:52
